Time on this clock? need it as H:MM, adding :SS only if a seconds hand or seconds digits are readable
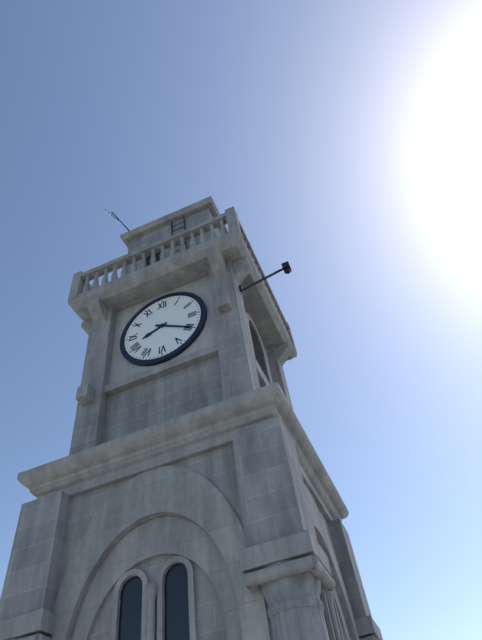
8:20
